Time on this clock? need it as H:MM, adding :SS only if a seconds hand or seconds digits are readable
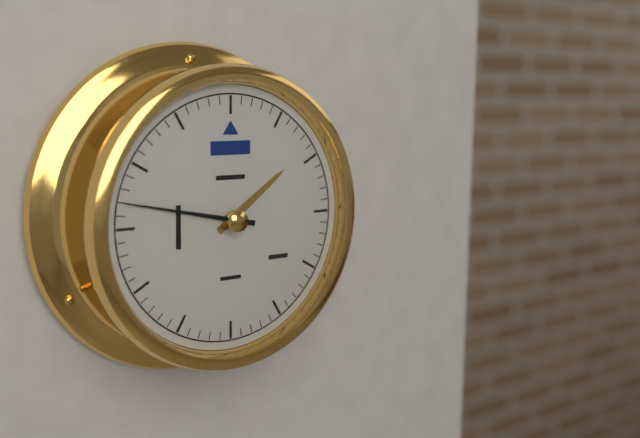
1:47
